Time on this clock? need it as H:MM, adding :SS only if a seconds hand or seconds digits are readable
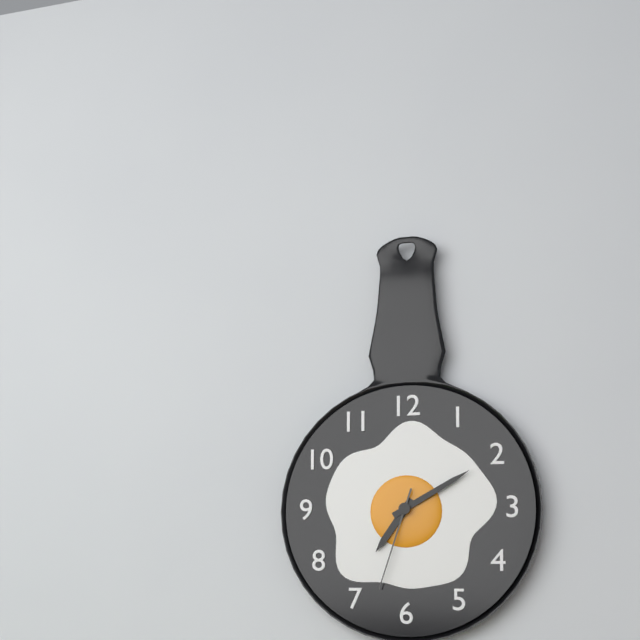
7:10:33
